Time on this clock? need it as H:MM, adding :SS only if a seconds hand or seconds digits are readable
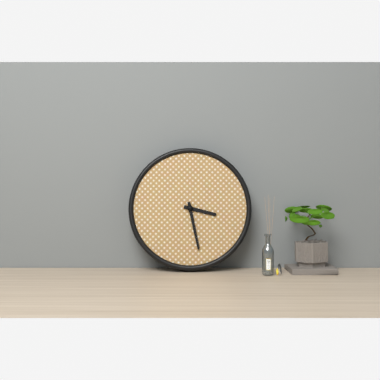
3:28
